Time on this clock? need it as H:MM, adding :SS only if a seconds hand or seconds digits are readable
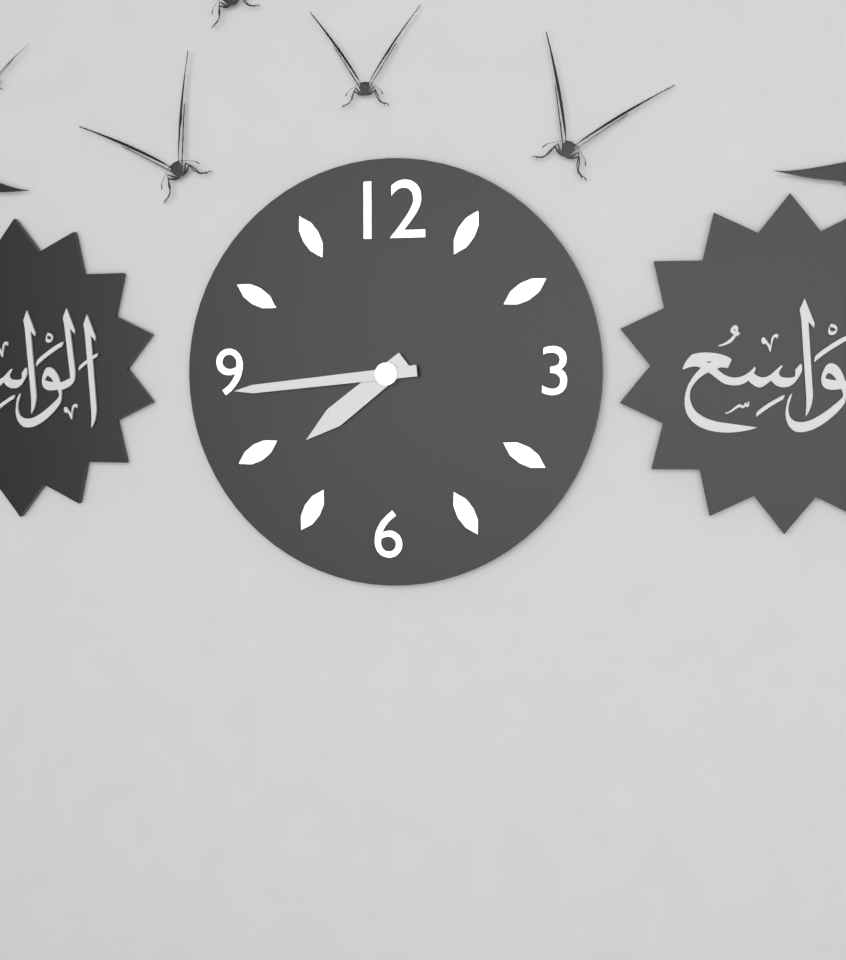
7:44
